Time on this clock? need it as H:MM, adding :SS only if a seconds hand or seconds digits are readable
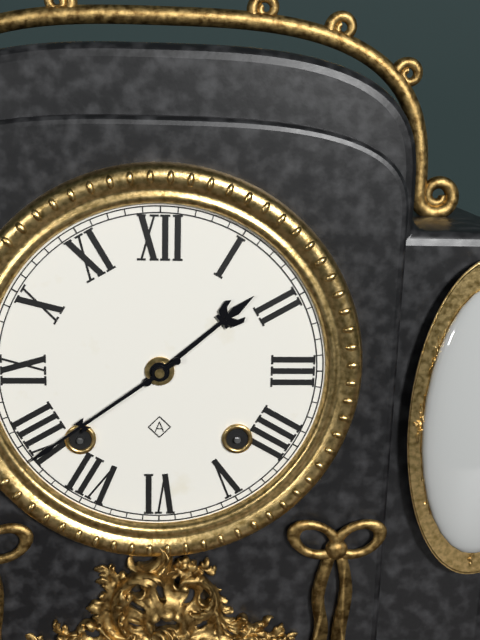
1:39
